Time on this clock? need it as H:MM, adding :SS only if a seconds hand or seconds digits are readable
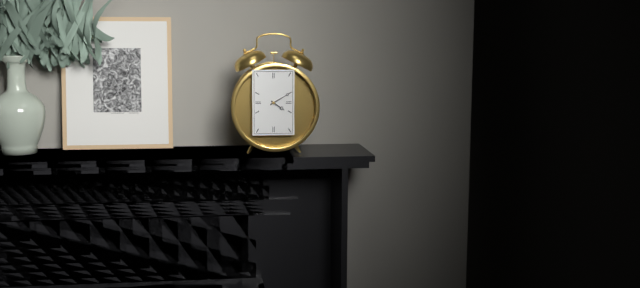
4:10
